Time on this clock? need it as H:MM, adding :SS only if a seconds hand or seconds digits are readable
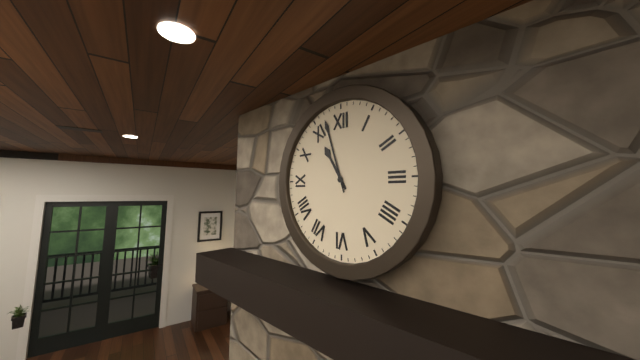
10:57
